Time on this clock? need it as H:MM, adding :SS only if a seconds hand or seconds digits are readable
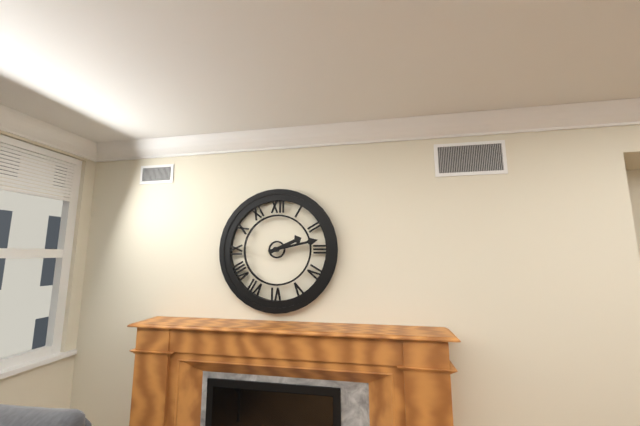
2:13
